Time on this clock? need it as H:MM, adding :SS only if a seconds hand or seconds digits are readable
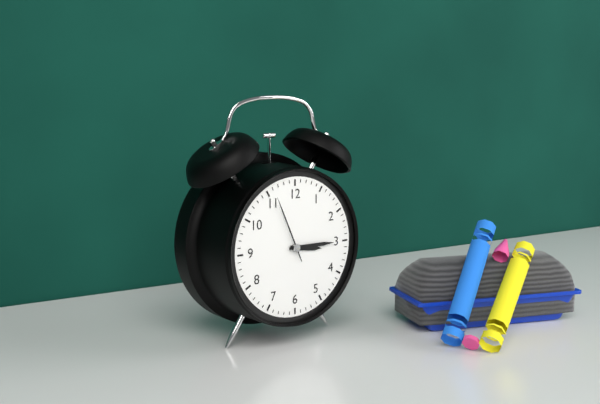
3:15:56
